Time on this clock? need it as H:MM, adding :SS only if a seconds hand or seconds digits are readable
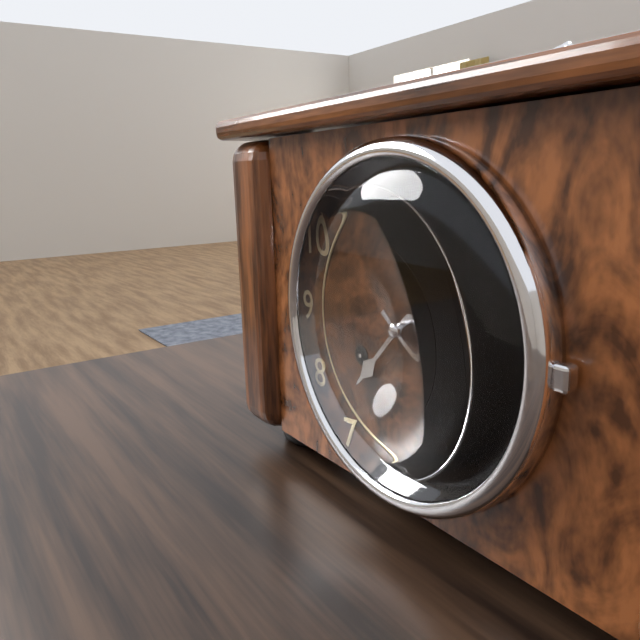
7:22
